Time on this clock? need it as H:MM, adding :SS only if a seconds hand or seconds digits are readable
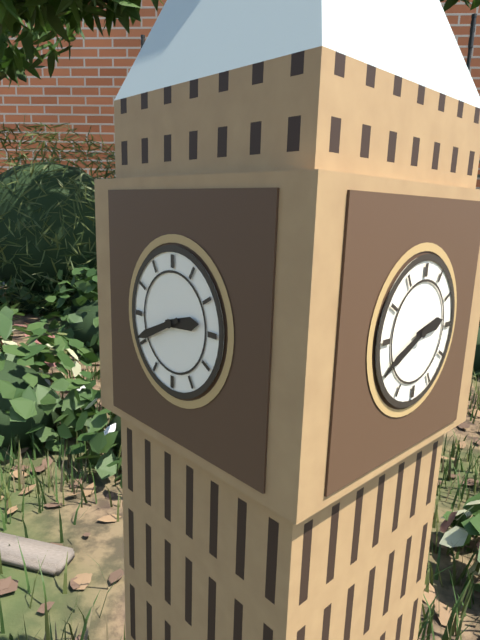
2:41
